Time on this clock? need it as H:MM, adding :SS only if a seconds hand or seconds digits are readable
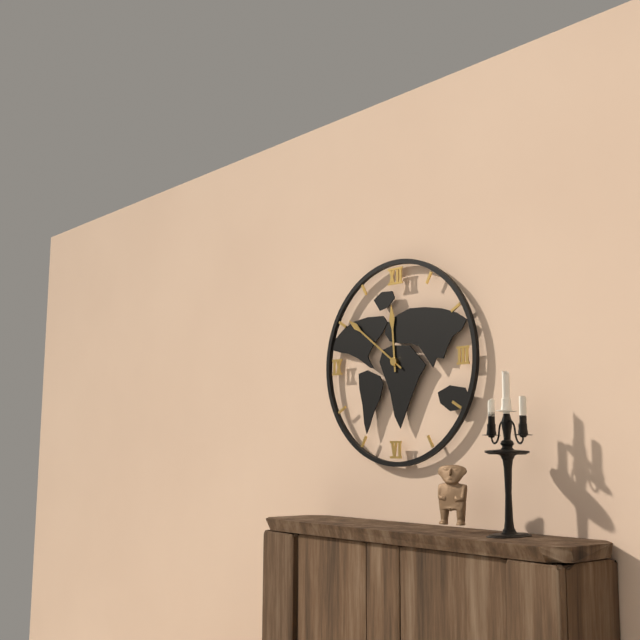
11:51
